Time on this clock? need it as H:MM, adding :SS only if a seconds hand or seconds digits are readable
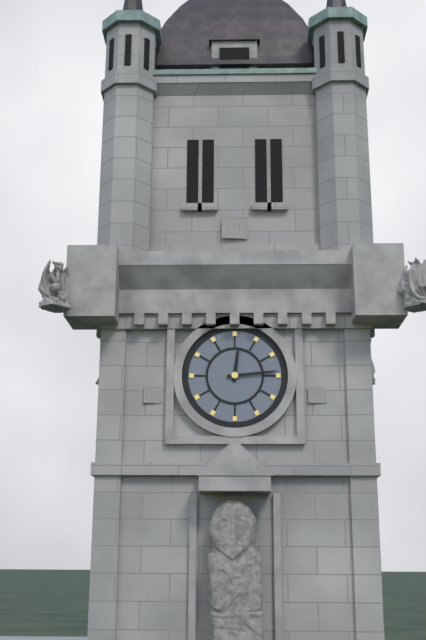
12:14
